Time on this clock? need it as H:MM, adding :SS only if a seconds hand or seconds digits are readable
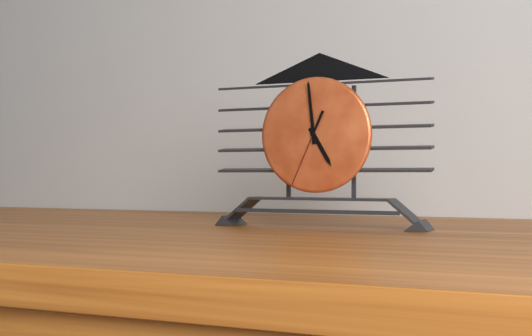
4:59:34
